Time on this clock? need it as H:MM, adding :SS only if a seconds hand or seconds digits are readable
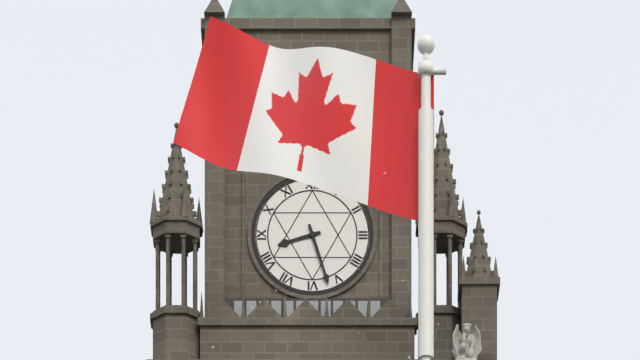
8:27
